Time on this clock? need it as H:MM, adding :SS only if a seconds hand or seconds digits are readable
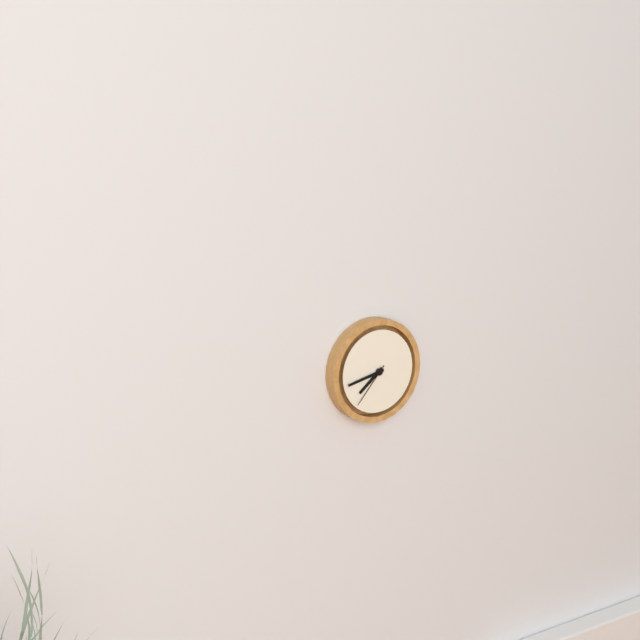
7:43
